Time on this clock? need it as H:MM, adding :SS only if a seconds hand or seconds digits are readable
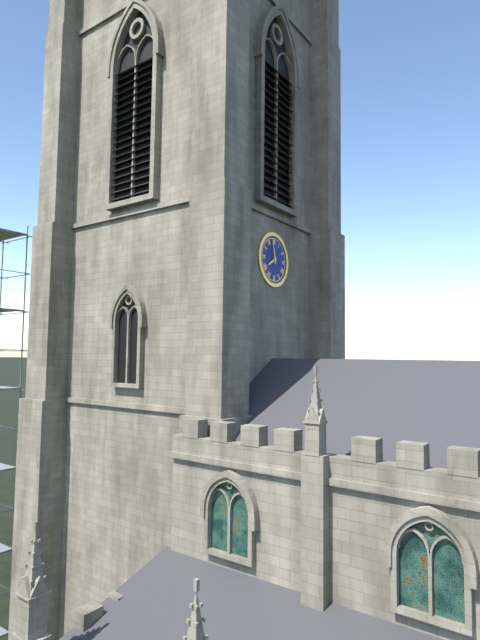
7:58
